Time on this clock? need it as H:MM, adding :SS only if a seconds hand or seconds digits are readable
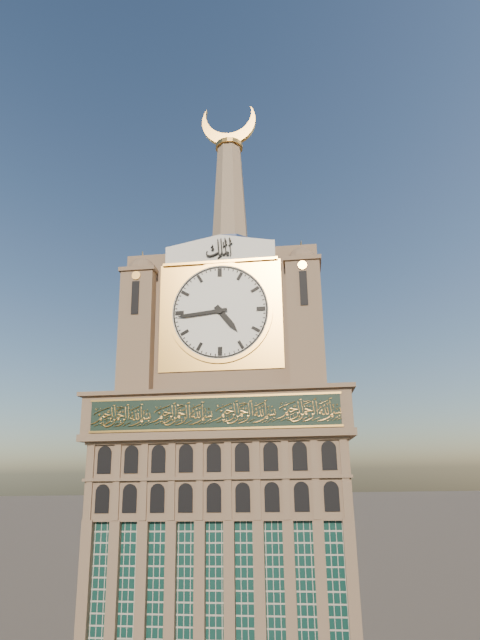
4:44
